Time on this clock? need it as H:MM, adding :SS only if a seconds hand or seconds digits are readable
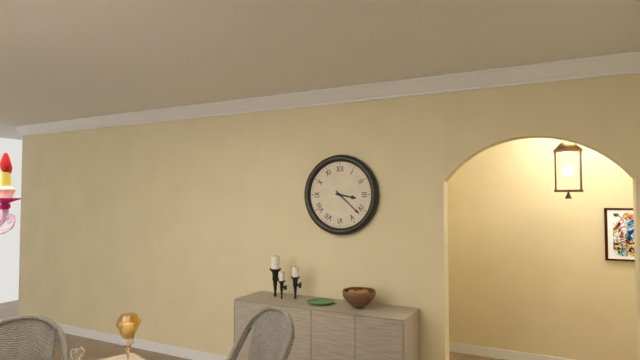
3:22
